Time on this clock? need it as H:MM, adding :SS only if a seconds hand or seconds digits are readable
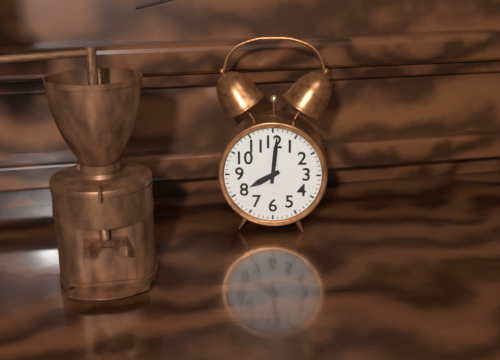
8:01
